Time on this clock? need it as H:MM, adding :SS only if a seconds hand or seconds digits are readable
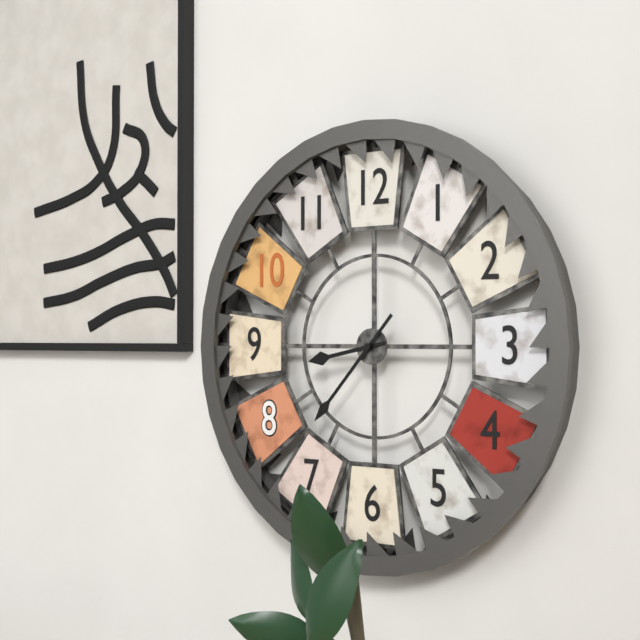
8:37
